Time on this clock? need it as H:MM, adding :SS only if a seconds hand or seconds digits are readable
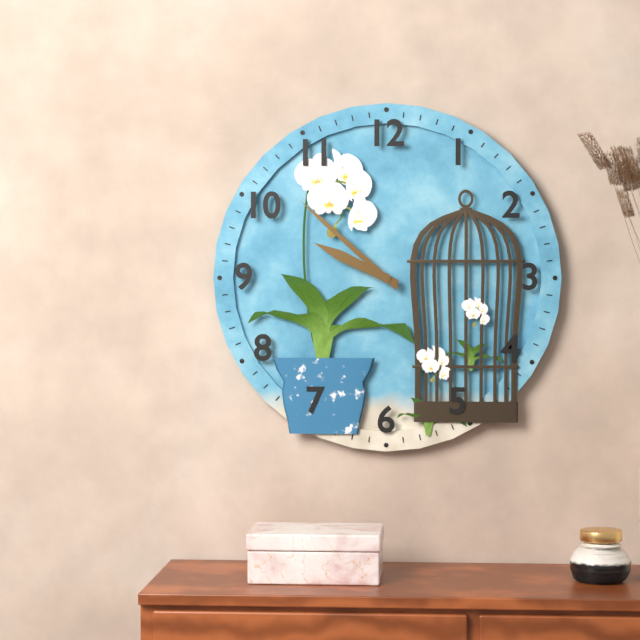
9:52
